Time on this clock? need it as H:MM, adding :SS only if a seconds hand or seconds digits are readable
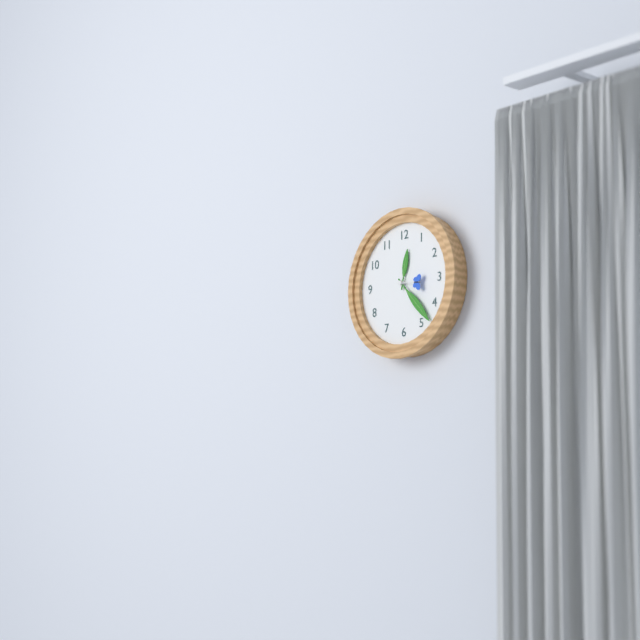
12:23
